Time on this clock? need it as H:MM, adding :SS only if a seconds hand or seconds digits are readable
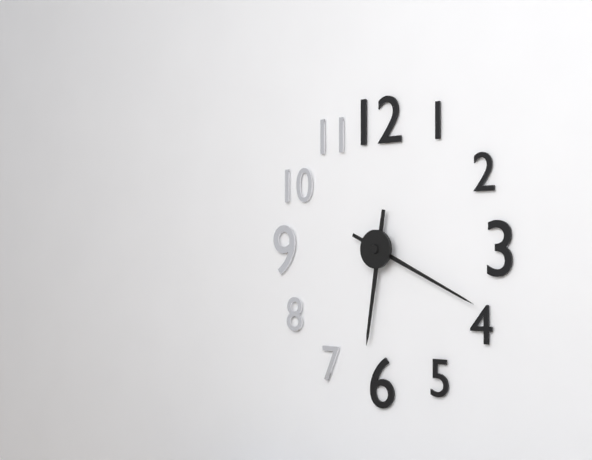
6:19
